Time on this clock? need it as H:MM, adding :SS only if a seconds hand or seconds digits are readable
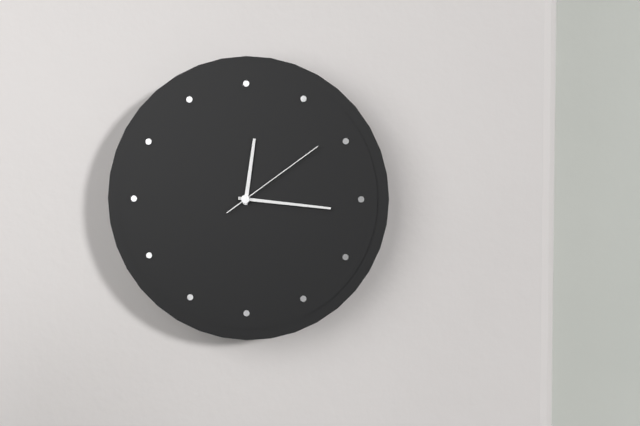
12:16:09
